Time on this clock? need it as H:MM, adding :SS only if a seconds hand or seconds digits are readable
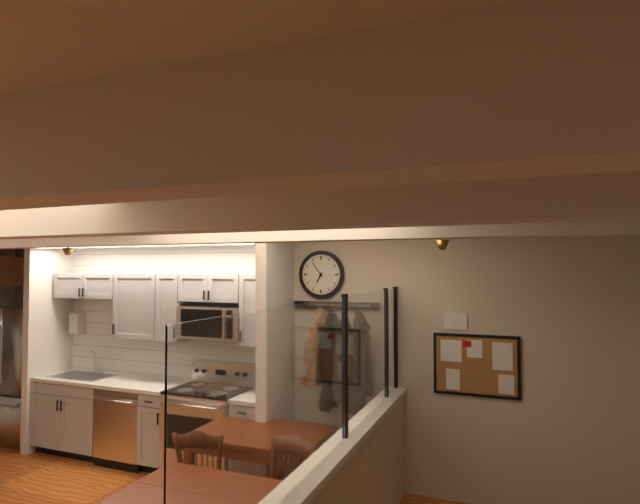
6:54
